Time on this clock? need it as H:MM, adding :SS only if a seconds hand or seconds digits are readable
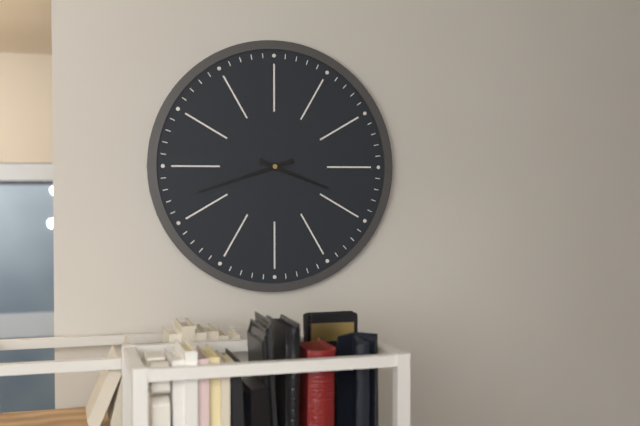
3:42
